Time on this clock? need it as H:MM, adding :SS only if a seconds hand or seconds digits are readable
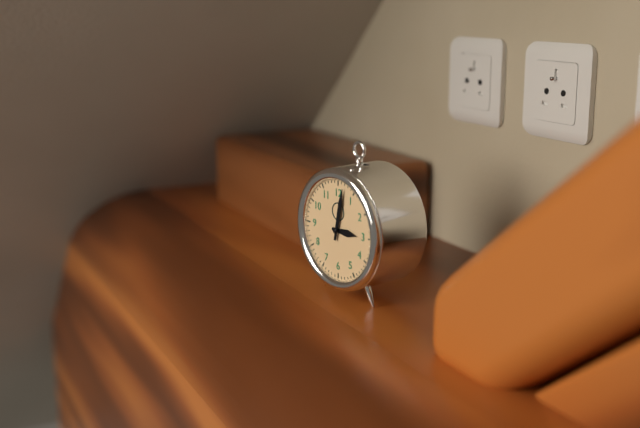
3:02
